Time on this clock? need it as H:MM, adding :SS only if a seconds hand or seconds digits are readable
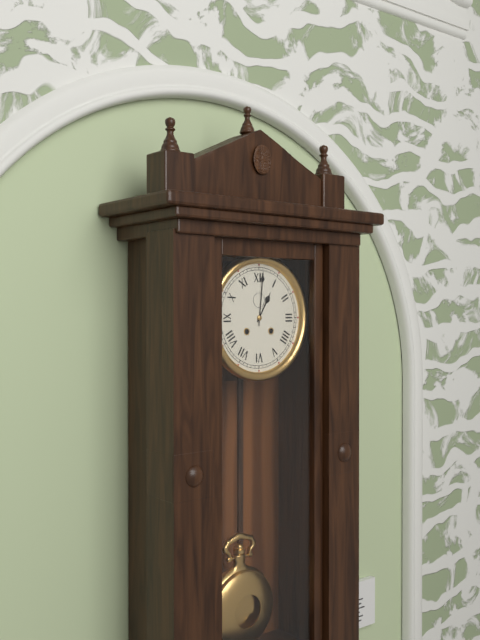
1:01
